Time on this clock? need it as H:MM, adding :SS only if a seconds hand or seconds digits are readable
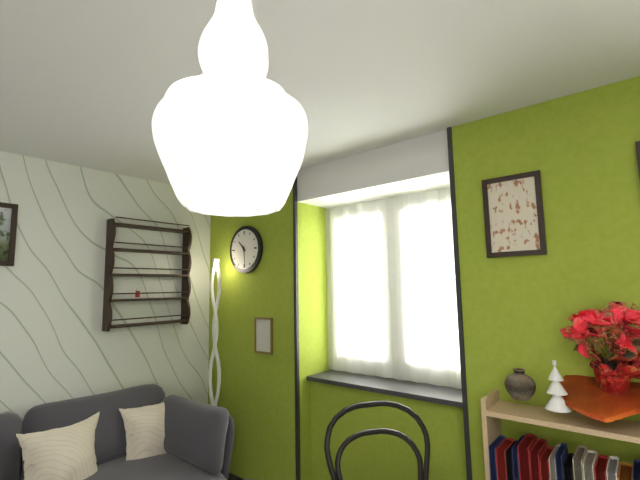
10:29
